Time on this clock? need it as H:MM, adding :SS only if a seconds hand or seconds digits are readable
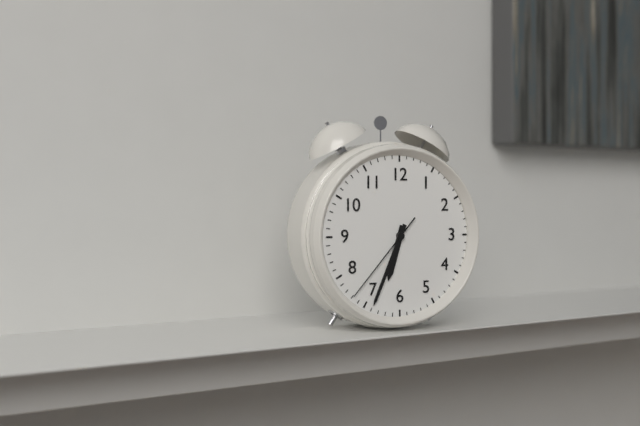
6:34:37
